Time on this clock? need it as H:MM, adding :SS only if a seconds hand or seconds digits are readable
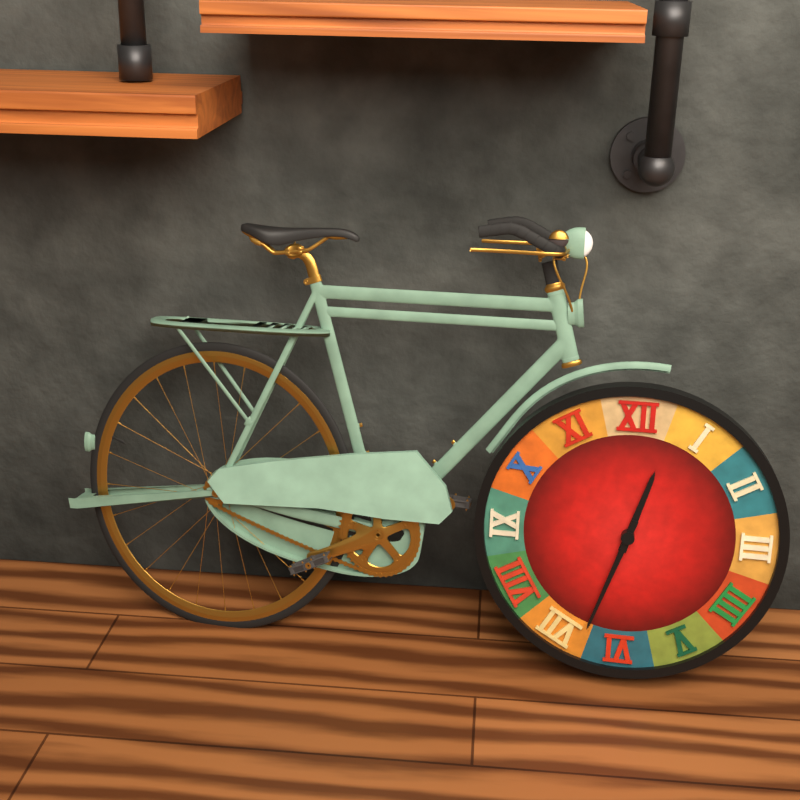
12:33
